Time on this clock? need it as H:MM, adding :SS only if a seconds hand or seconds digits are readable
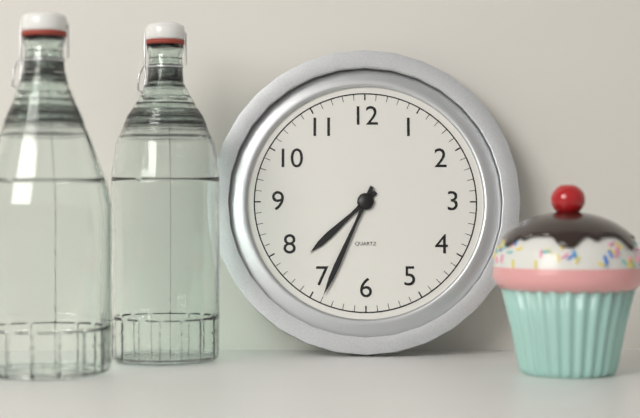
7:34
